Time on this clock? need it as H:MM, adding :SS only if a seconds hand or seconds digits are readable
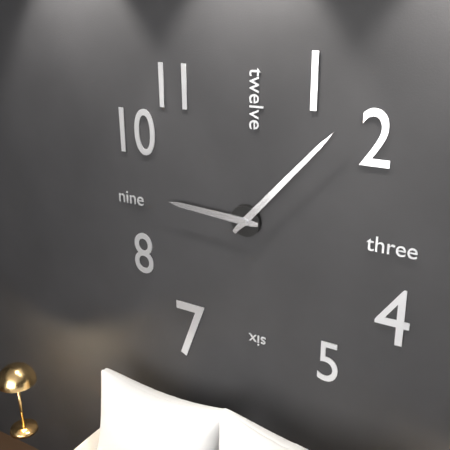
9:07
